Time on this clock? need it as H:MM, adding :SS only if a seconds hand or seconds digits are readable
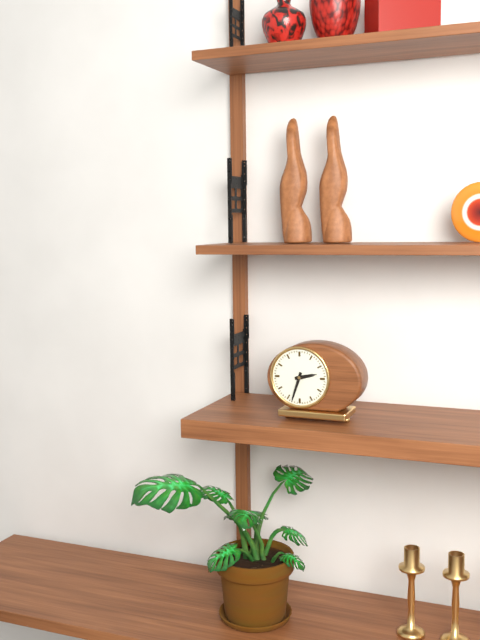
2:33
